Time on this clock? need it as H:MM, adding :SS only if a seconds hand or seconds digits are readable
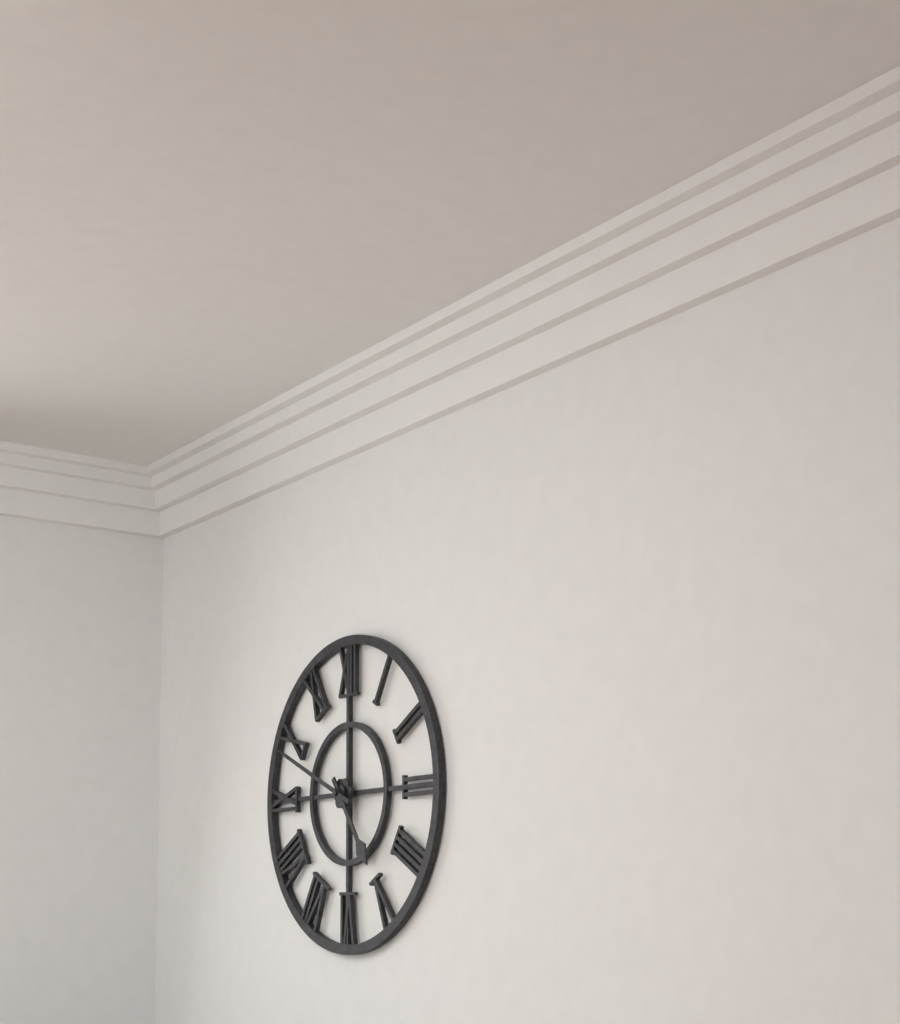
4:49
